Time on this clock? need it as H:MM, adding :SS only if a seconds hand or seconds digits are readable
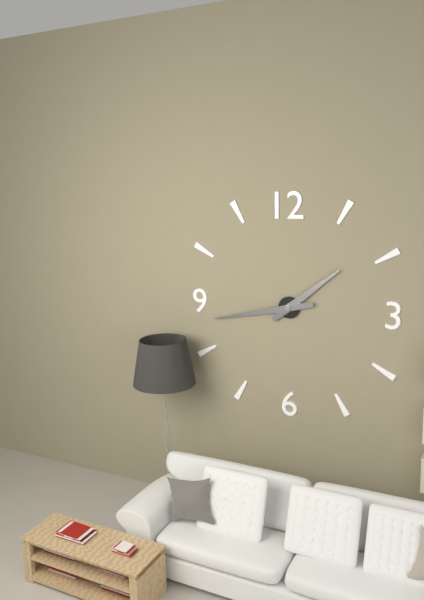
1:43
